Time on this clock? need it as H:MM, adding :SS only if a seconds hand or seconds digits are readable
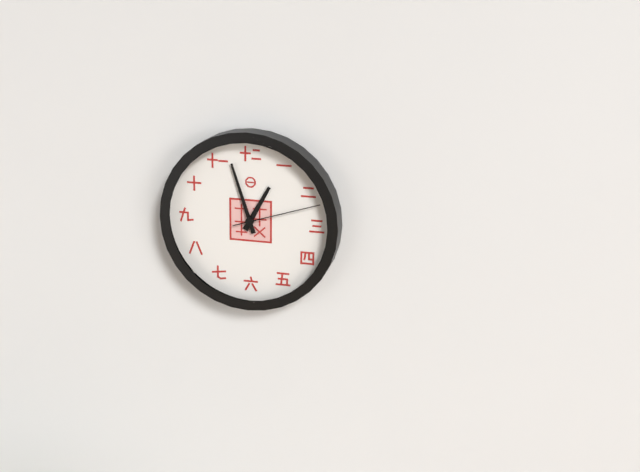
12:57:12
